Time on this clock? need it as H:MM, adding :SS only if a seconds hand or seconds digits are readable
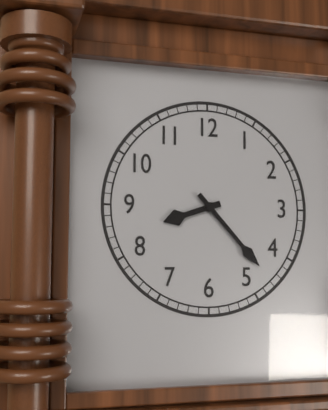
8:23
